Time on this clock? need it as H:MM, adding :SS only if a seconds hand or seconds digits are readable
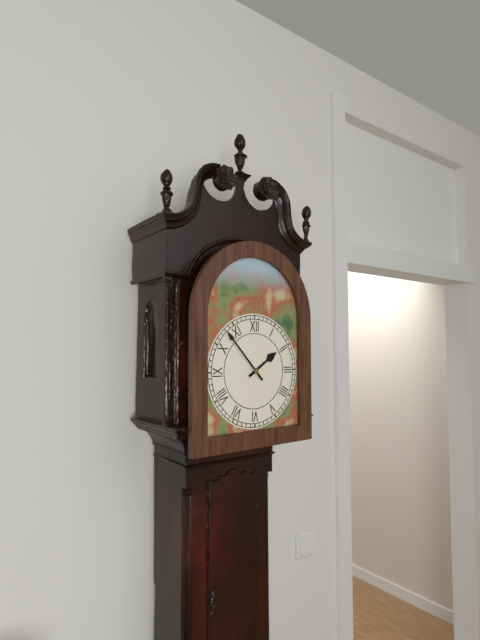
1:53
